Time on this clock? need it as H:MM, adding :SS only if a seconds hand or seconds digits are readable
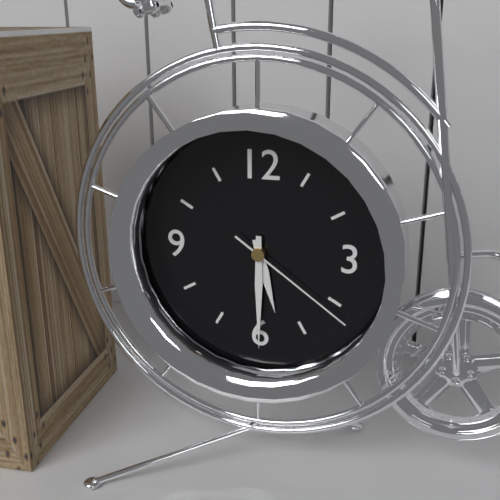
5:30:21
